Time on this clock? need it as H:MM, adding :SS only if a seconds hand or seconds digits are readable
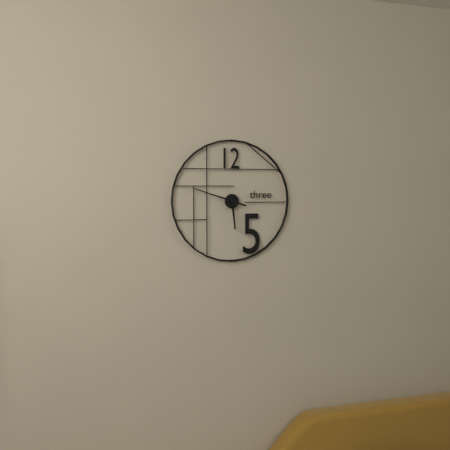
5:48
